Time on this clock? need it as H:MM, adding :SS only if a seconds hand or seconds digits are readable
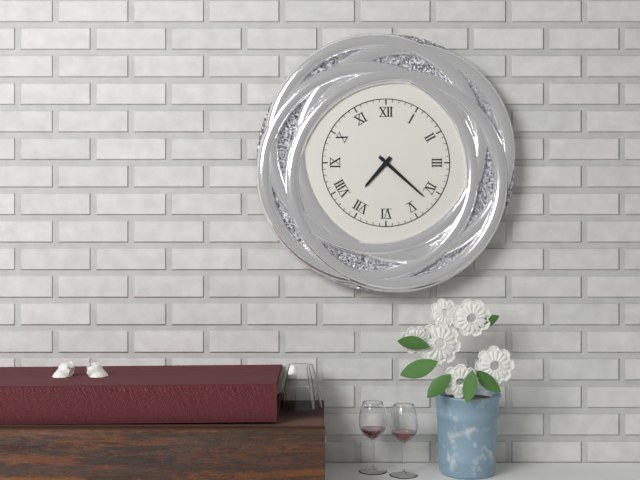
7:22
